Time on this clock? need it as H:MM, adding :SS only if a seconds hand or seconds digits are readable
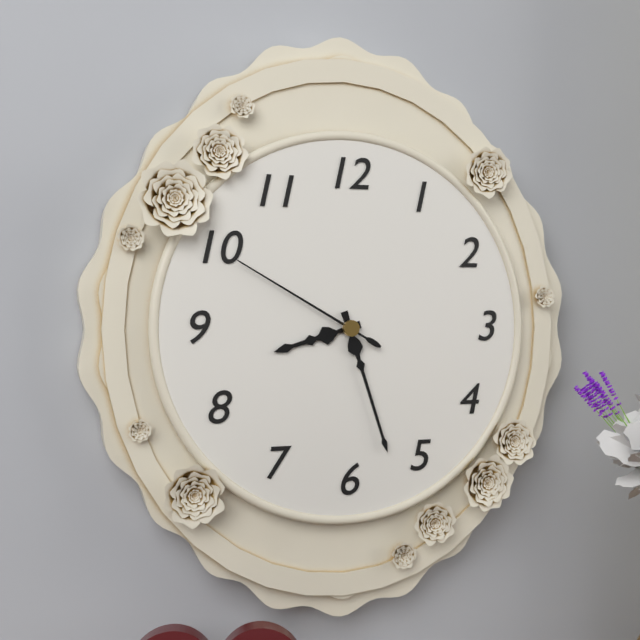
8:27:50
